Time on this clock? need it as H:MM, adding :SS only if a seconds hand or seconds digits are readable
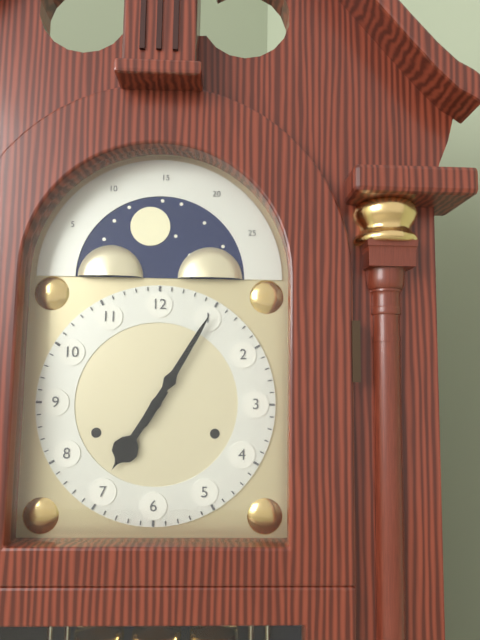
7:05
